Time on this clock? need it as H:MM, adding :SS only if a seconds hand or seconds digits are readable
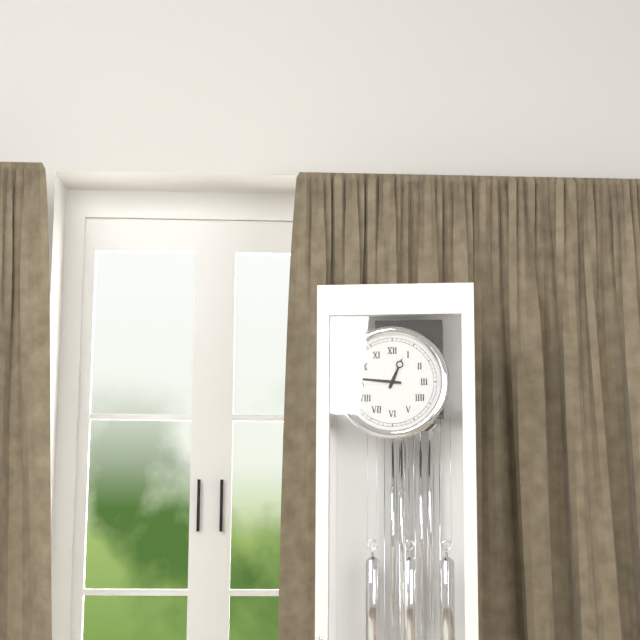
12:46
